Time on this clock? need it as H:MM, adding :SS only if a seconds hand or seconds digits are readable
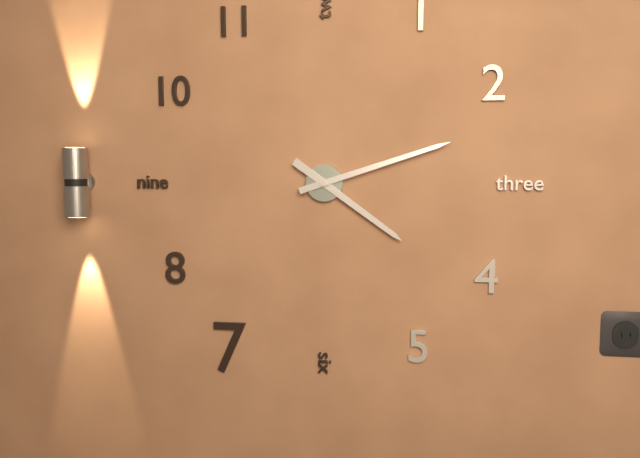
4:12
